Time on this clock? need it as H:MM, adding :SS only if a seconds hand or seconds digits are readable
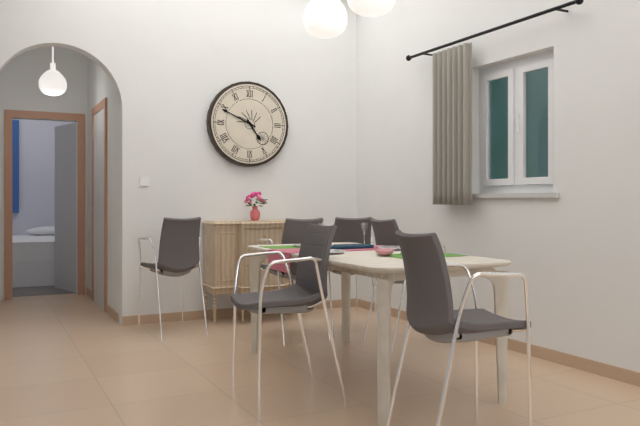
4:49
